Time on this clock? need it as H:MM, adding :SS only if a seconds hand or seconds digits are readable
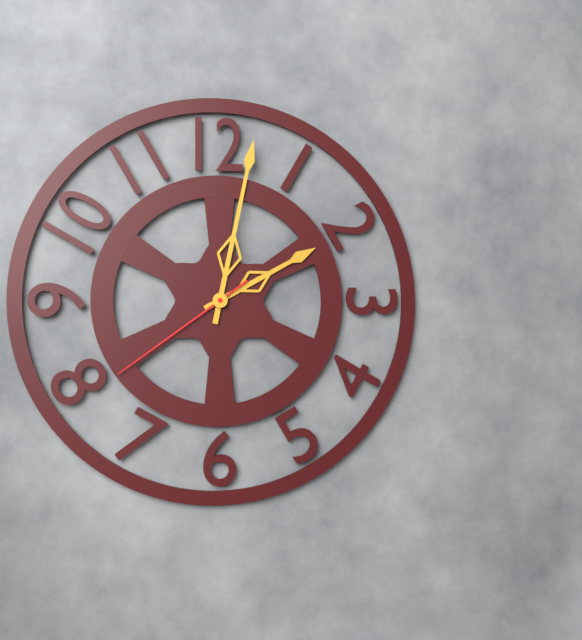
2:02:39
